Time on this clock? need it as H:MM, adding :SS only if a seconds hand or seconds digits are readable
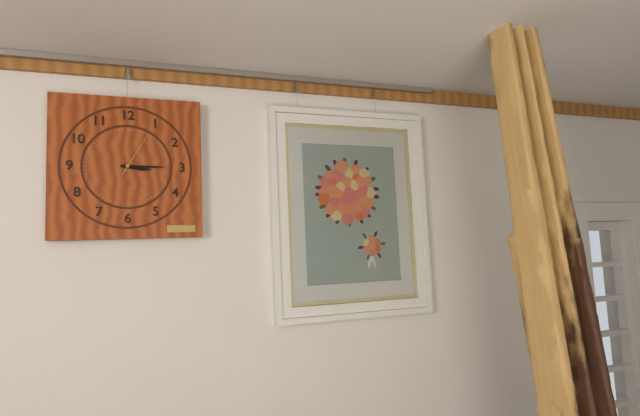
3:15
